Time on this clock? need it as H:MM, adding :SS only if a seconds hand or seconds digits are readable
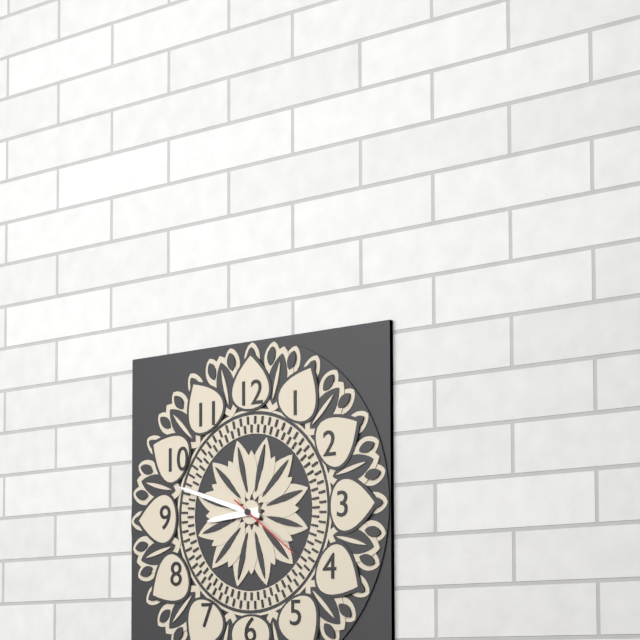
8:48:21
